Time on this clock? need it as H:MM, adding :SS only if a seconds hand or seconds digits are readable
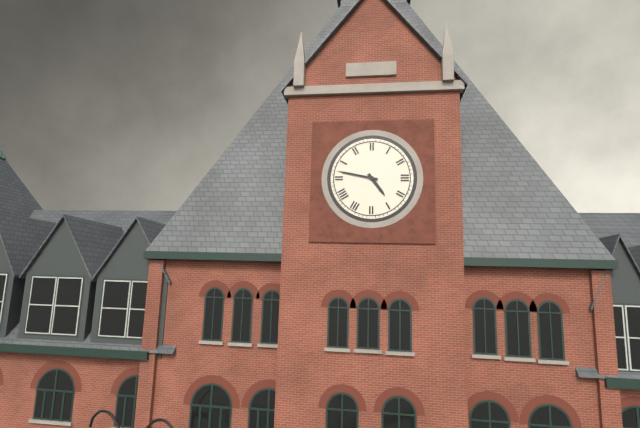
4:47
